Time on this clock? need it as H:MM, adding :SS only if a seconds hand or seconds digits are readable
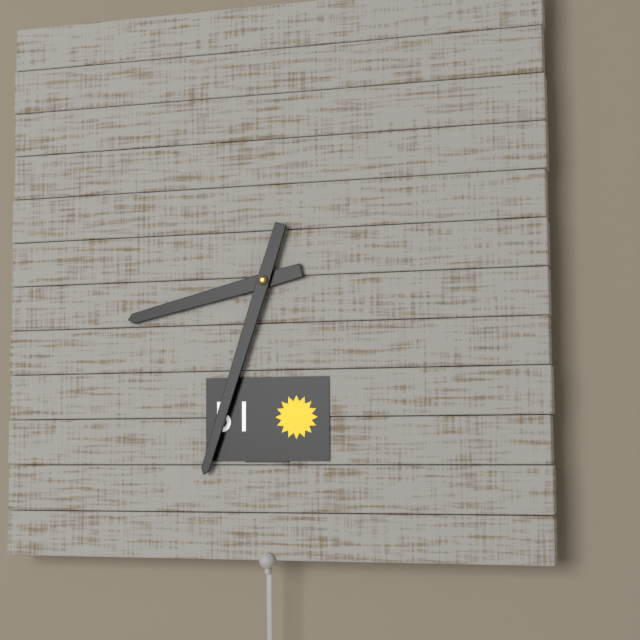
8:33
